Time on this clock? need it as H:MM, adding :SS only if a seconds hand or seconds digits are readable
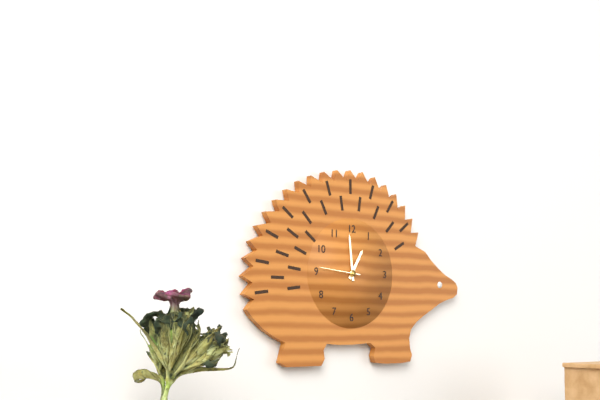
12:59
